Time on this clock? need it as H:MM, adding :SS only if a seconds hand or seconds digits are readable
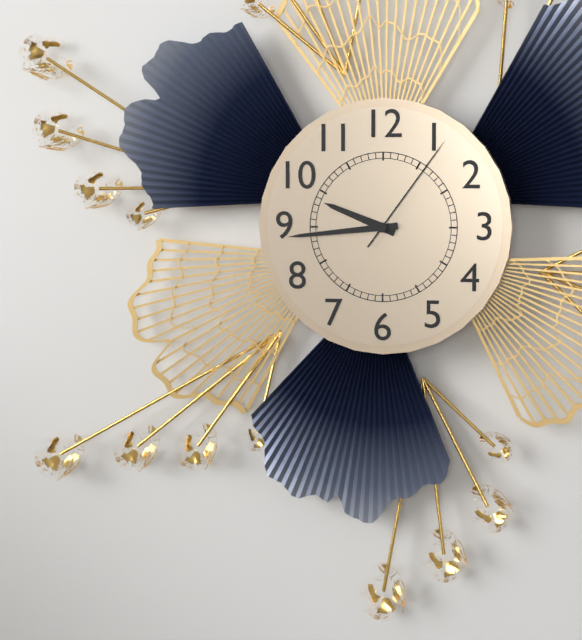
9:44:06
